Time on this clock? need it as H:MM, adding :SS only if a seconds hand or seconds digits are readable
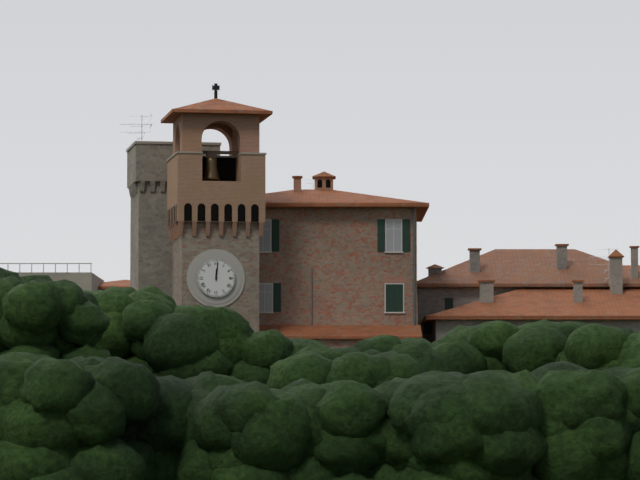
12:01
